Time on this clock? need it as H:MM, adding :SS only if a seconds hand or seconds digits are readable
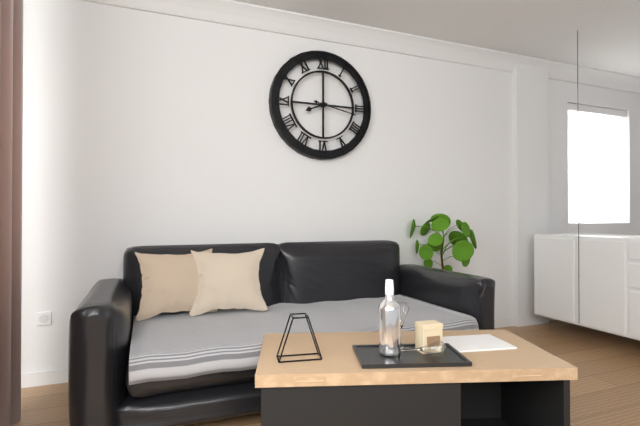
8:17
